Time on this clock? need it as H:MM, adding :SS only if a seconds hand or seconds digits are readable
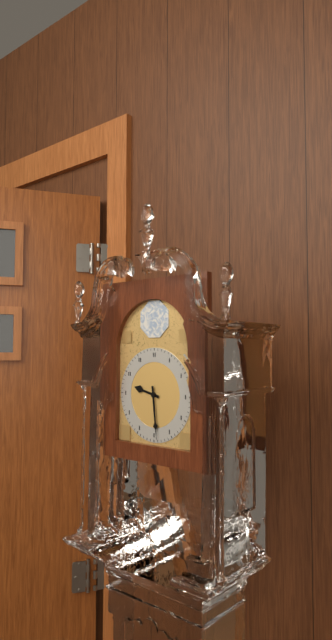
9:29
